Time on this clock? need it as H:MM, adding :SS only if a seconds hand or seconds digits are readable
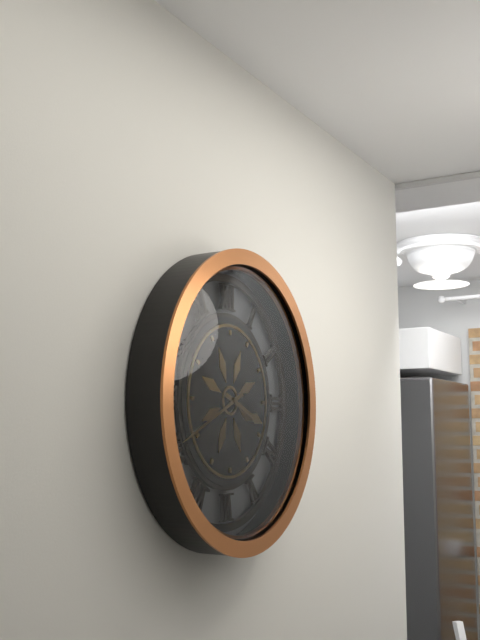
3:41
